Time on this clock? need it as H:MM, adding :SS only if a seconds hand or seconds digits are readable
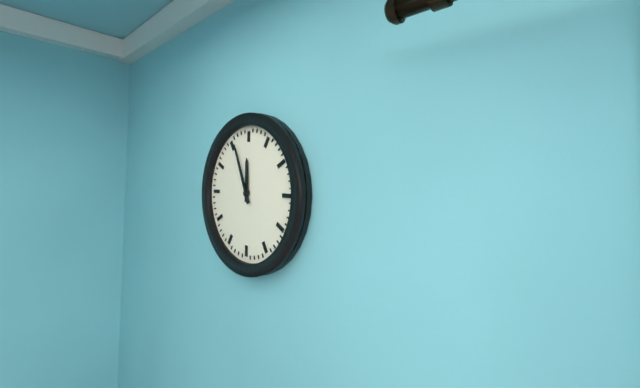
11:56
